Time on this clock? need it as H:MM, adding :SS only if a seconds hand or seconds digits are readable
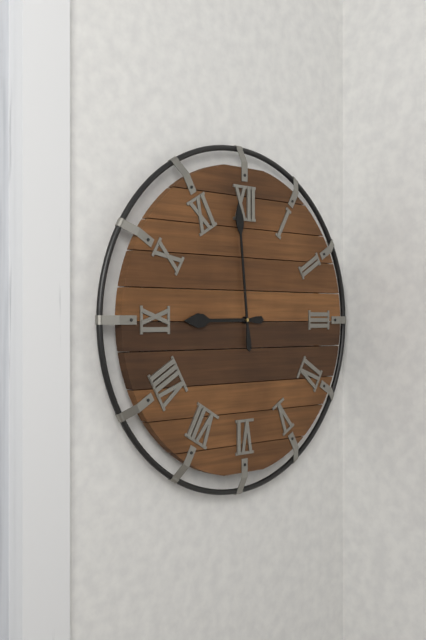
8:59
